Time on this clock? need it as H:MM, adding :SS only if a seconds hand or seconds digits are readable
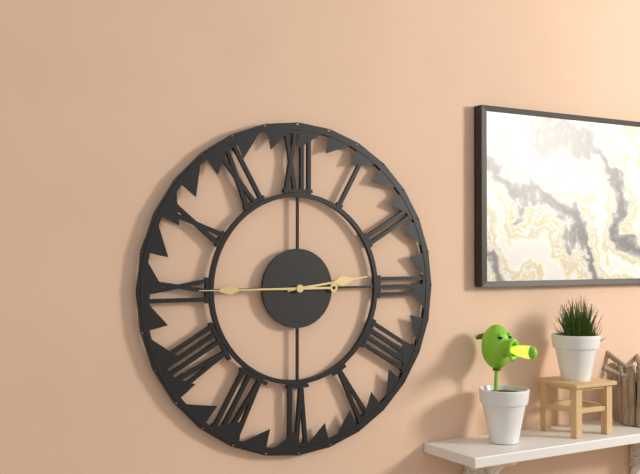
2:45
